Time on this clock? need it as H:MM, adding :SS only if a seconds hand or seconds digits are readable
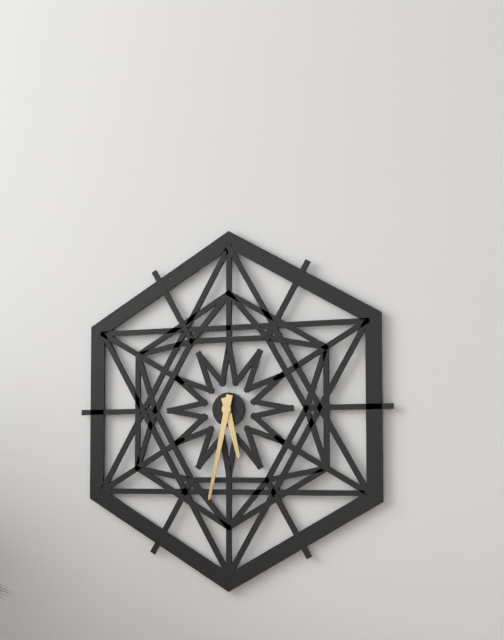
5:32
